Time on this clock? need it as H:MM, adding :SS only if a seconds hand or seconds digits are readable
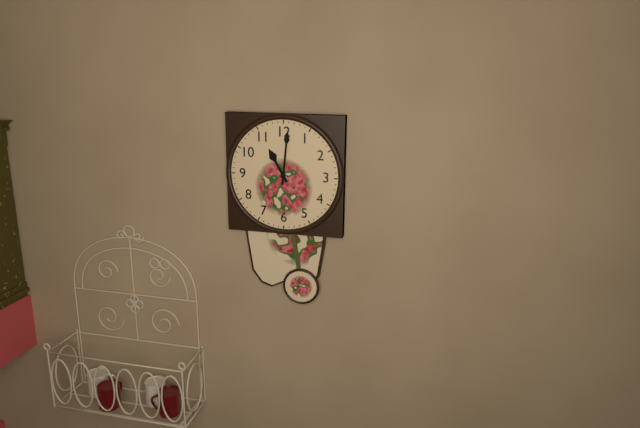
11:01
